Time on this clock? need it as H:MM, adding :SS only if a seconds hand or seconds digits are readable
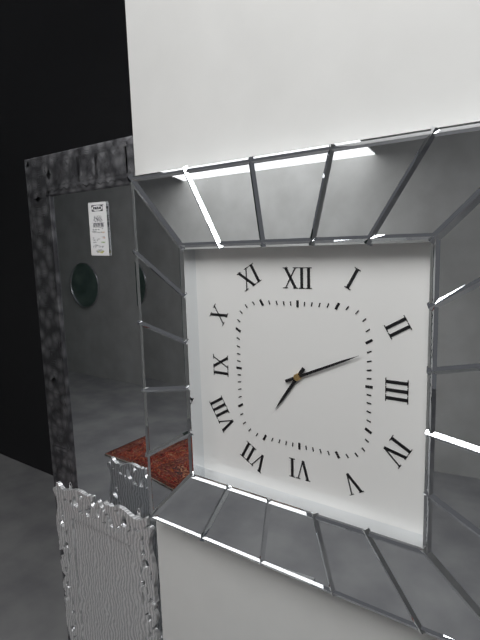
7:11
